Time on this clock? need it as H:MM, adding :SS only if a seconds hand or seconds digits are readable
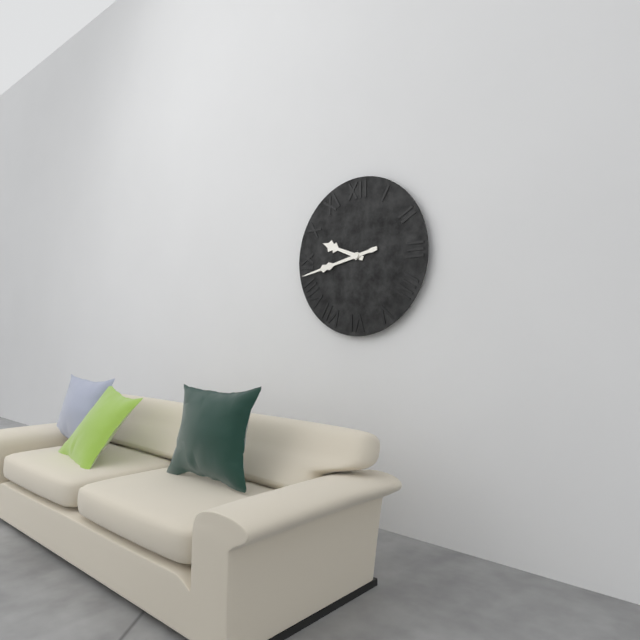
9:43
